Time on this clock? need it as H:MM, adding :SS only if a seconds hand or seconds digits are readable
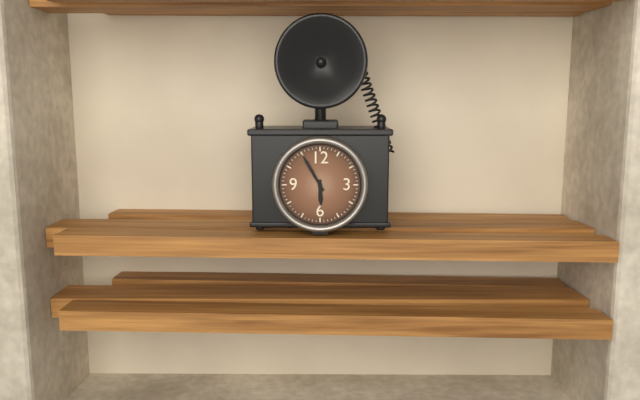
5:55
